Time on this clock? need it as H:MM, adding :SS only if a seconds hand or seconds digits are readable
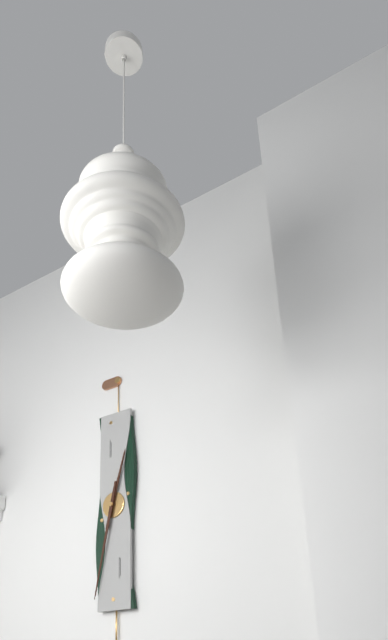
12:32
